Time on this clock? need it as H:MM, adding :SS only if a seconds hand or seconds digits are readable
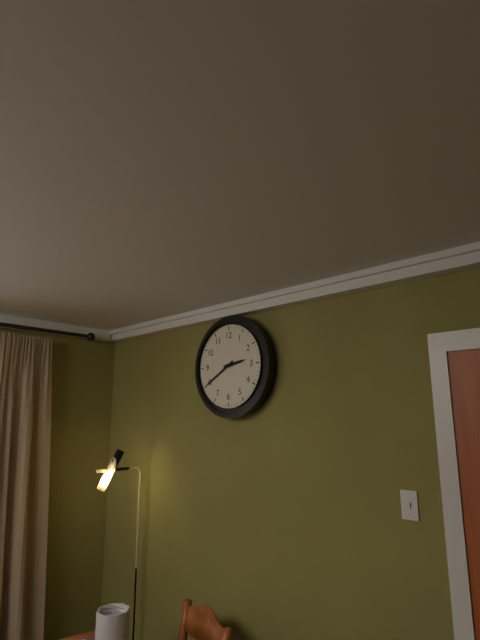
2:40
